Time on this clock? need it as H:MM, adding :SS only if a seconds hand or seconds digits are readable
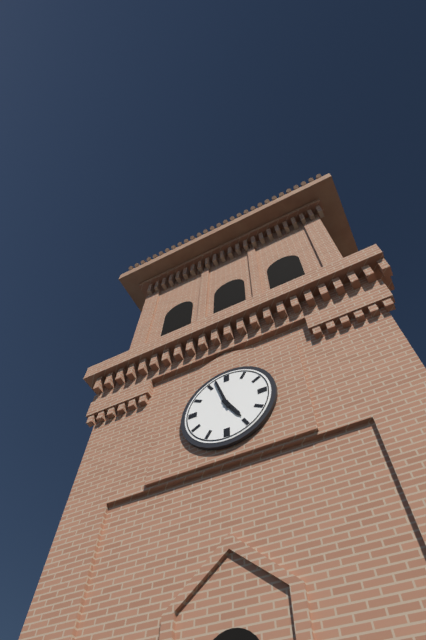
4:57
